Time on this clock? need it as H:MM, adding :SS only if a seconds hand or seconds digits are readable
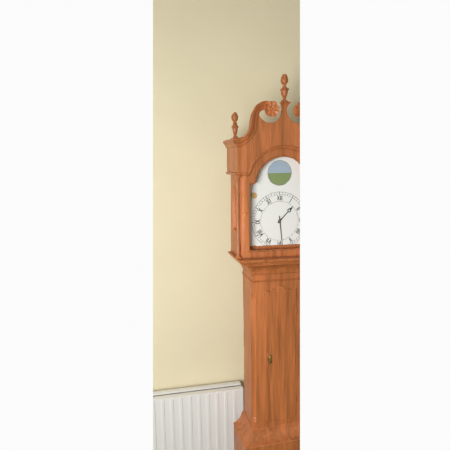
1:29
